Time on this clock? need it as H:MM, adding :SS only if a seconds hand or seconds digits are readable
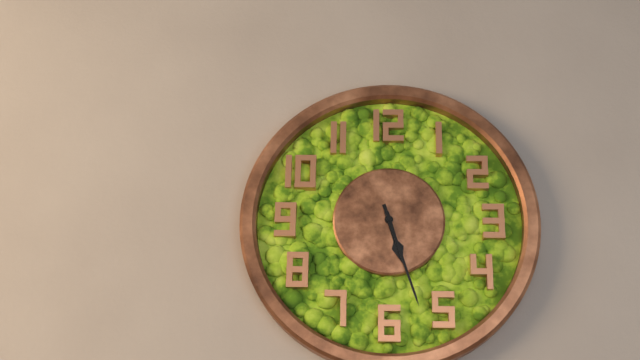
5:27
